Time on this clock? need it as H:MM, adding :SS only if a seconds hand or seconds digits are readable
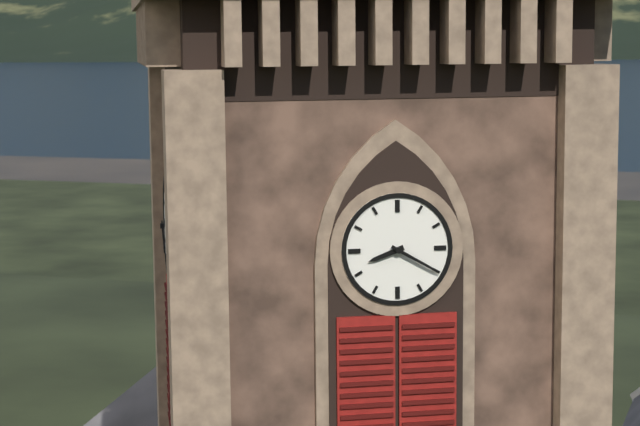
8:20
